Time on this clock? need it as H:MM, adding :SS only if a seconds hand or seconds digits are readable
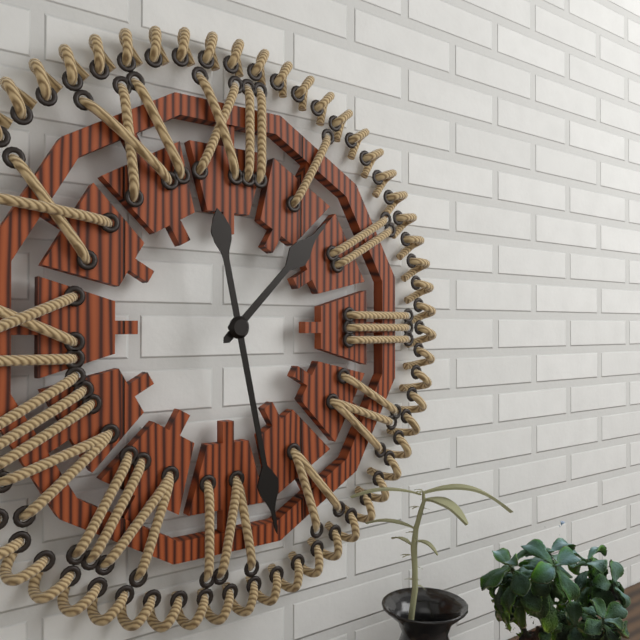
1:28
